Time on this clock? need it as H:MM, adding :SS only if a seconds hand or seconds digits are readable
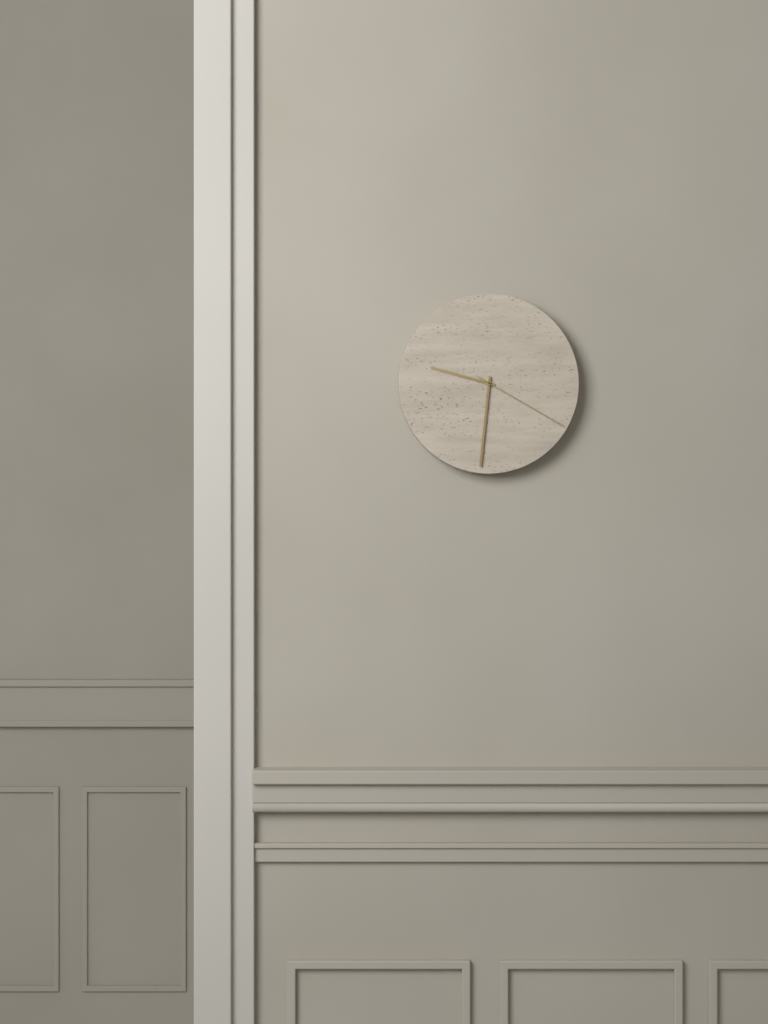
9:31:20
